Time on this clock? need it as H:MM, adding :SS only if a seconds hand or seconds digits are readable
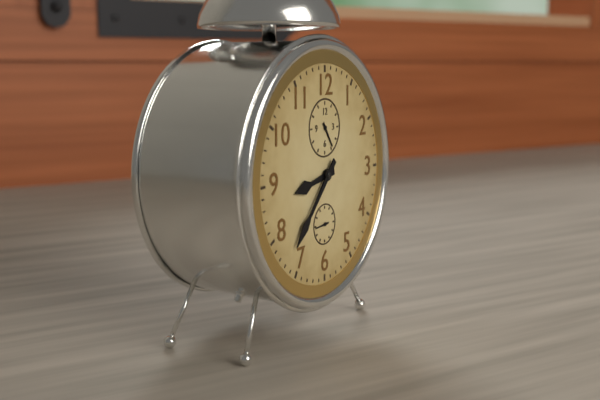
8:37
